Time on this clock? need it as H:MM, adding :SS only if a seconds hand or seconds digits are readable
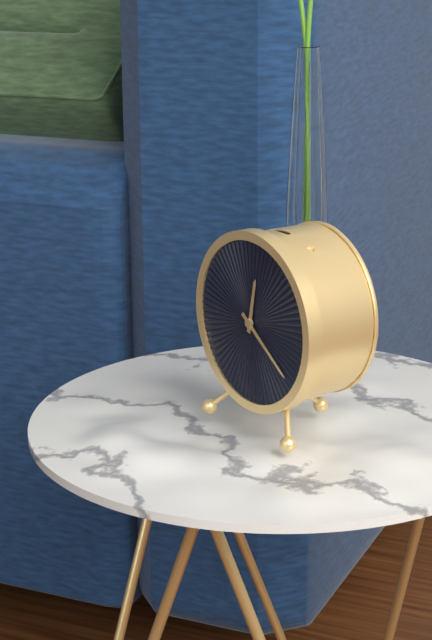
12:21
